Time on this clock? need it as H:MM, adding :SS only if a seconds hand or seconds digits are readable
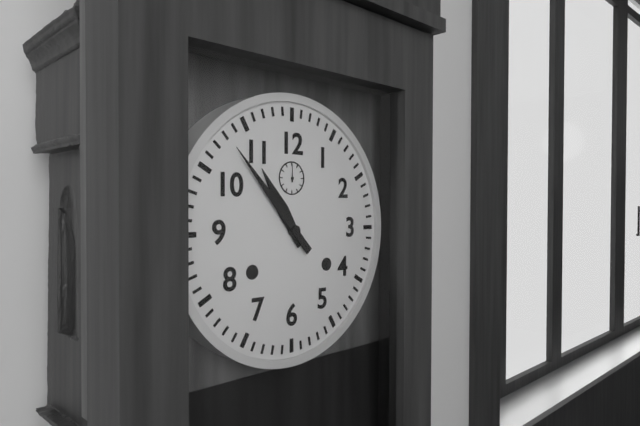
10:53
